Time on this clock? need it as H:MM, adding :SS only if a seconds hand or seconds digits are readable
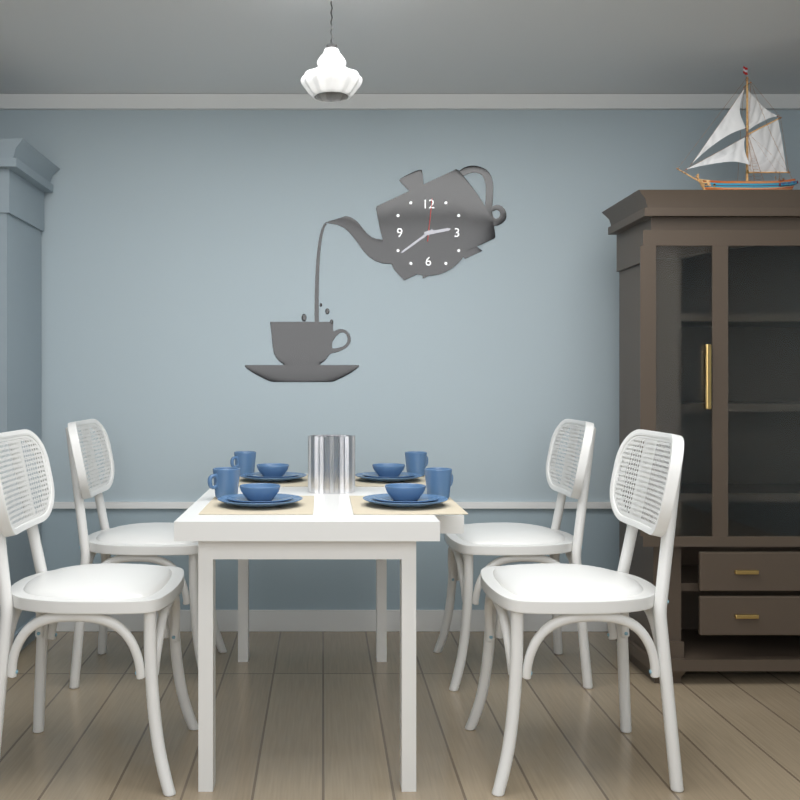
2:39
